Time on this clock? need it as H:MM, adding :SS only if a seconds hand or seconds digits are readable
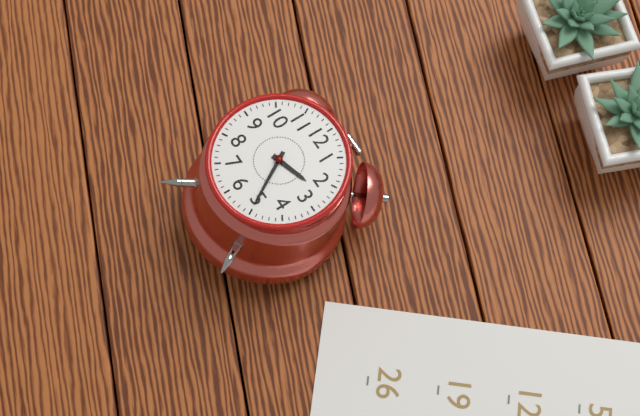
2:25
